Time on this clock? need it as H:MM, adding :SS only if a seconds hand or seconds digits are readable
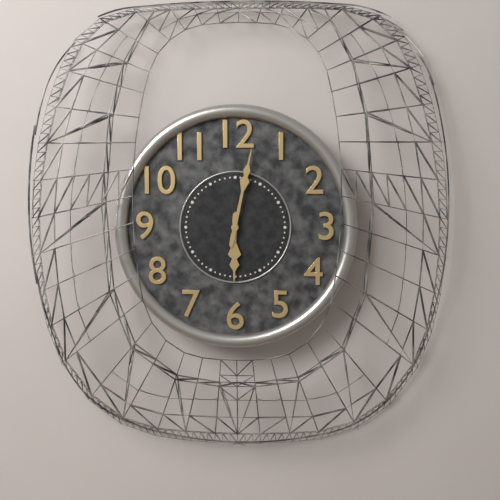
6:02
